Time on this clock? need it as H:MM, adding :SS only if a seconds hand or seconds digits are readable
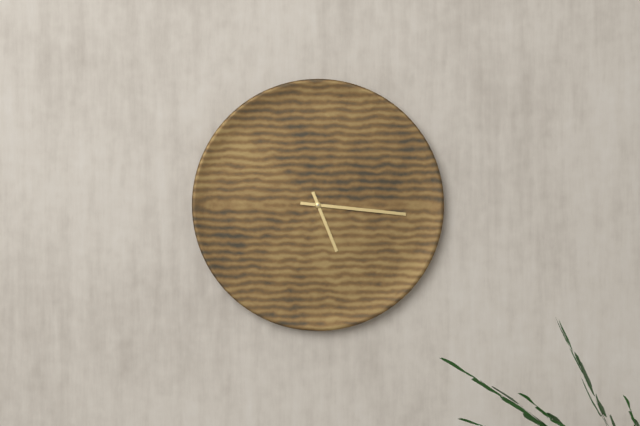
5:16
